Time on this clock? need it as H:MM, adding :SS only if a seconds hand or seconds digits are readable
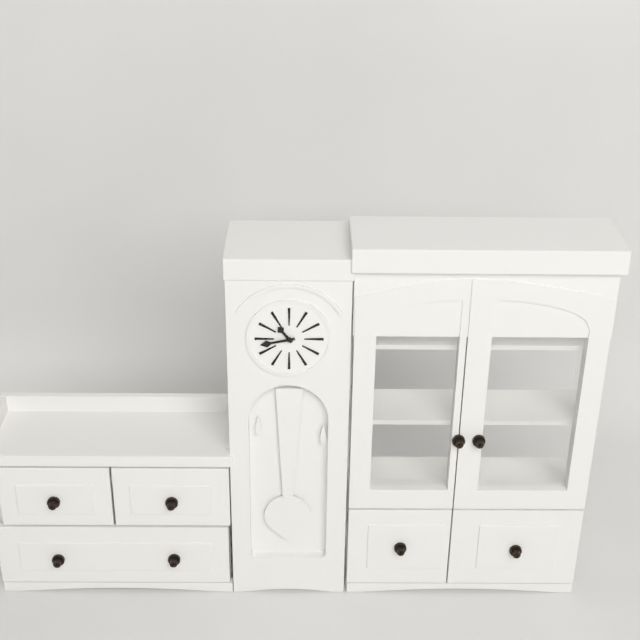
10:43
